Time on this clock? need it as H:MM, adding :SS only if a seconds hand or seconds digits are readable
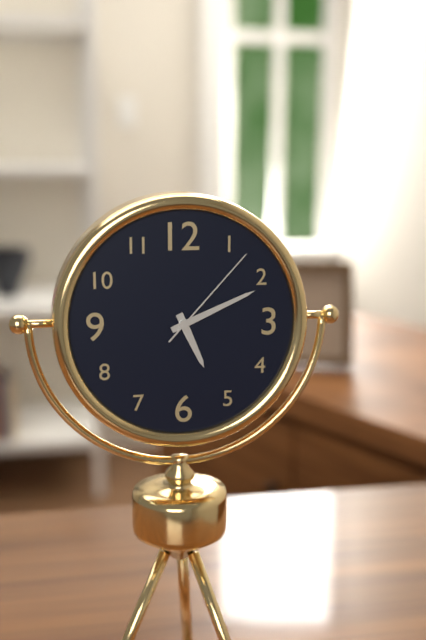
5:11:07
